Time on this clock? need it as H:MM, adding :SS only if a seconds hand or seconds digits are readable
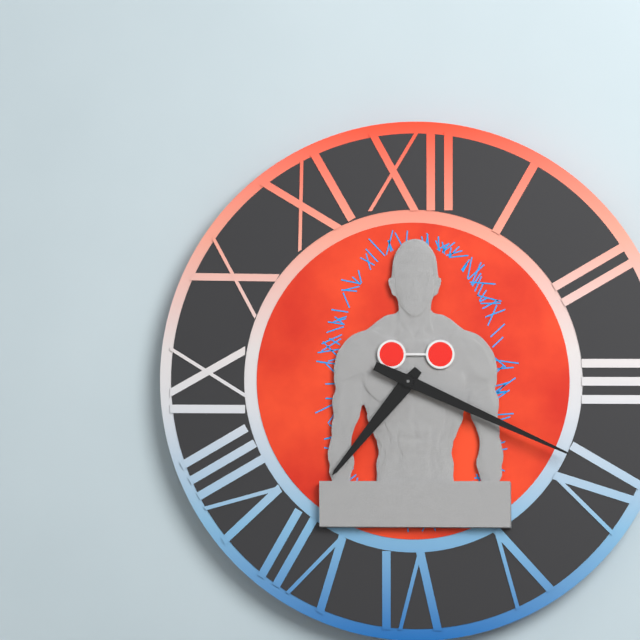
7:19
